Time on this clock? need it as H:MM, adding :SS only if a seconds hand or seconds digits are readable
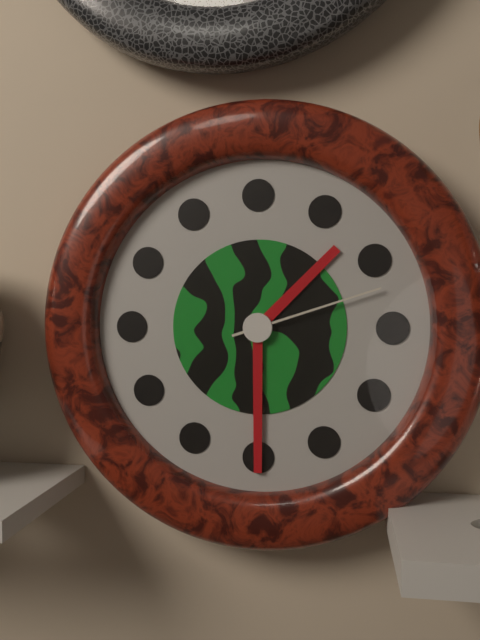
1:30:12
